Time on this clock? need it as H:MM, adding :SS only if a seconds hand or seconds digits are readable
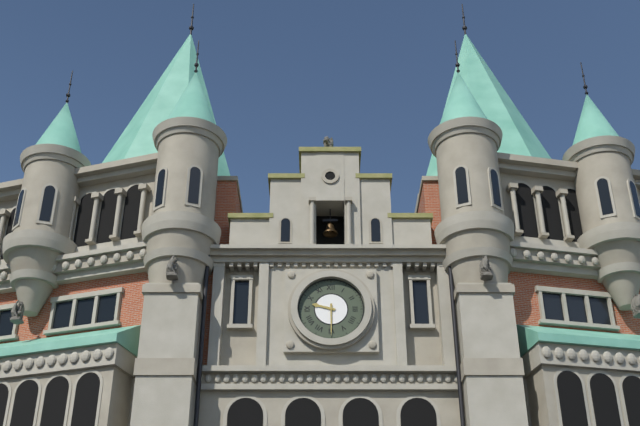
9:30
